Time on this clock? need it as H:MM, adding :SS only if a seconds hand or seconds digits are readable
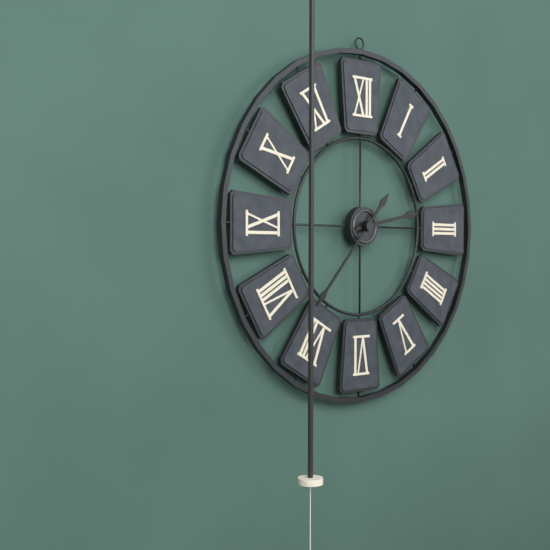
2:37
